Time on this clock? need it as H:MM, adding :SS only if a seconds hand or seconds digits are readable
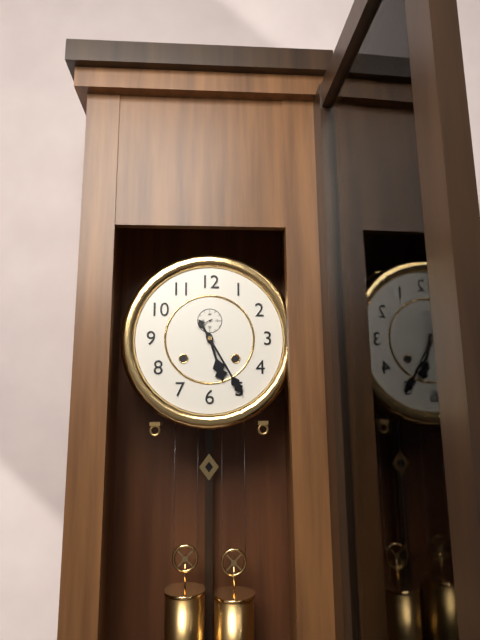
5:25
